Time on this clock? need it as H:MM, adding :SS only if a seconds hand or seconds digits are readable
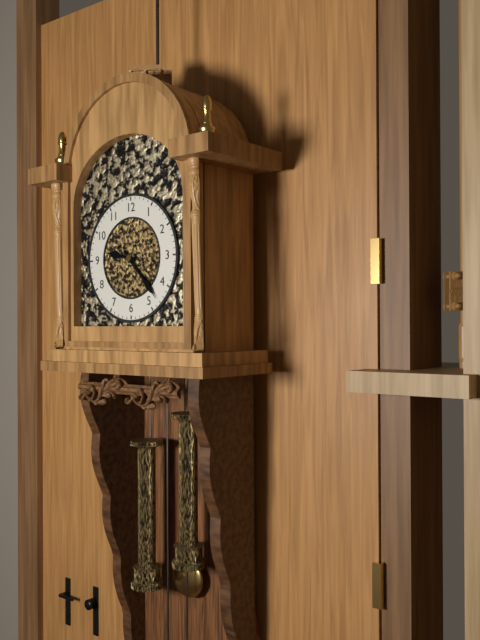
9:23
